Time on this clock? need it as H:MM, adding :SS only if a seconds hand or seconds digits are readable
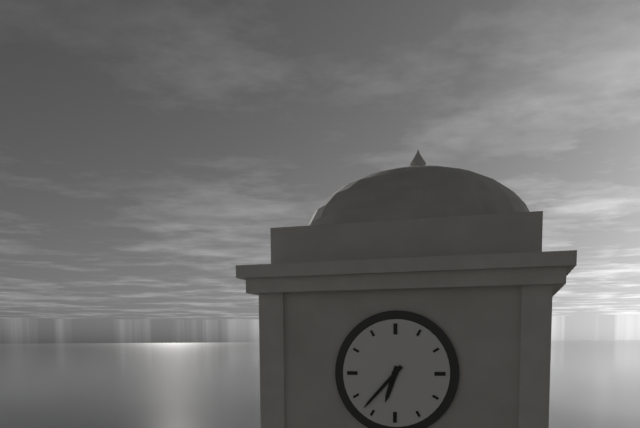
6:37
